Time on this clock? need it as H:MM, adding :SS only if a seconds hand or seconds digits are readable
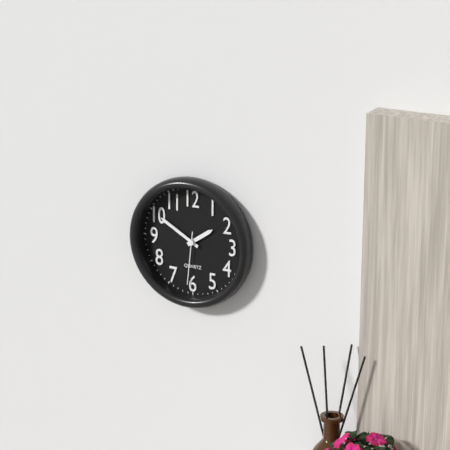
1:50:31
